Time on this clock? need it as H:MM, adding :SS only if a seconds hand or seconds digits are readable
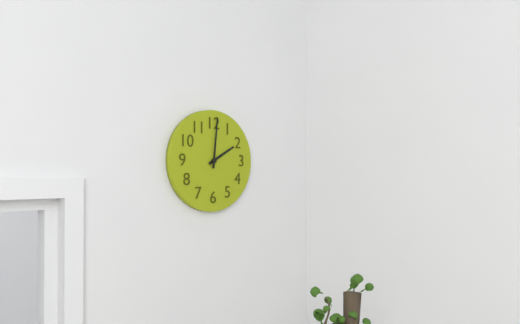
2:01
